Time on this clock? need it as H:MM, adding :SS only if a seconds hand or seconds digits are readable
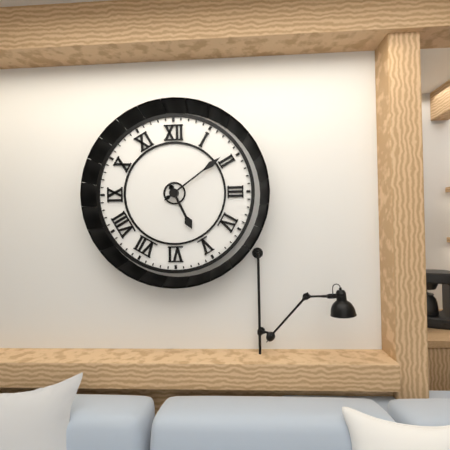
5:09
